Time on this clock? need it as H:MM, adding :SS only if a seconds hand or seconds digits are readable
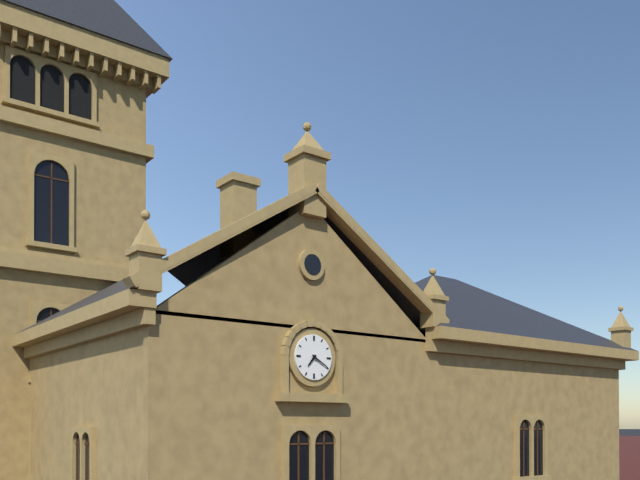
7:20
